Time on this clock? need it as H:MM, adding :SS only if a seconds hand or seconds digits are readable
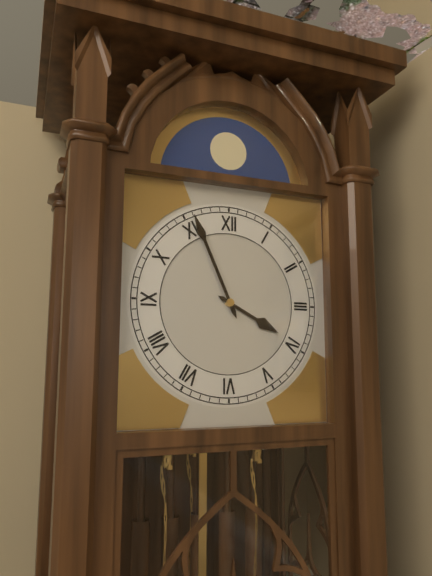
3:56
